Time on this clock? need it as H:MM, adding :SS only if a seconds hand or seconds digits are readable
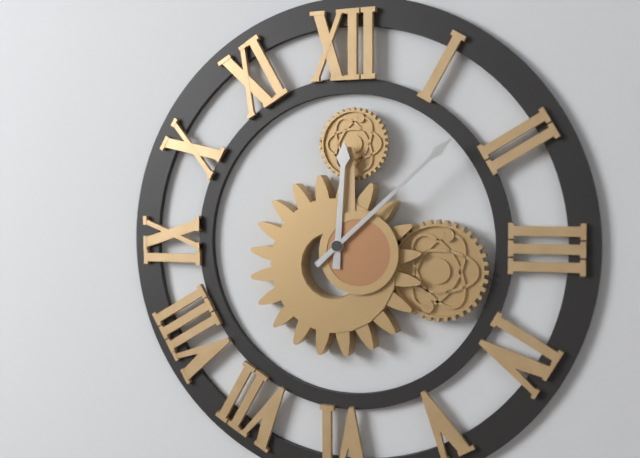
12:08
